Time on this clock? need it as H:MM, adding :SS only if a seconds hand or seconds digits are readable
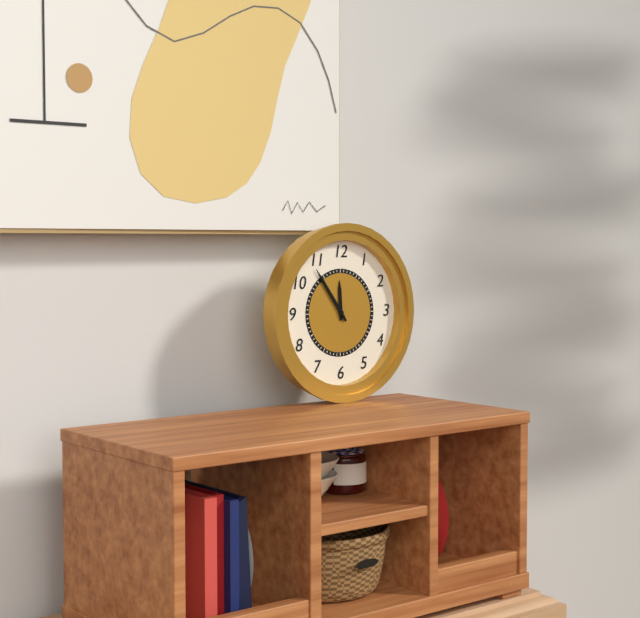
11:54
